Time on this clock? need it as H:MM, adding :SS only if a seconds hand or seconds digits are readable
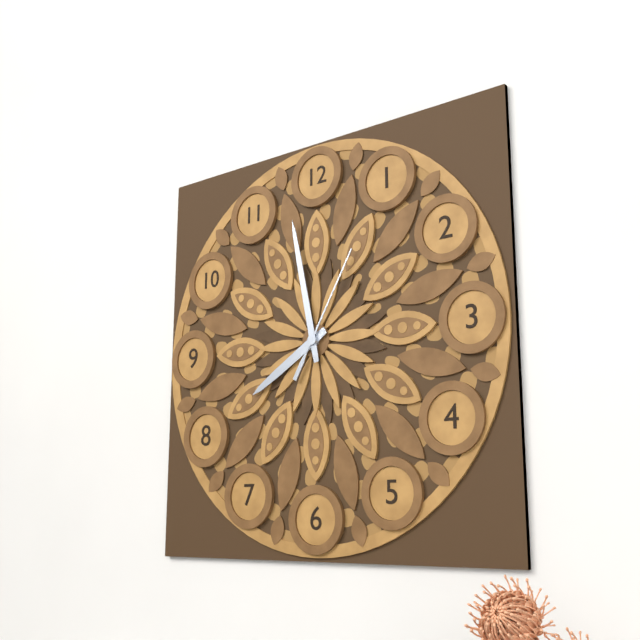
7:58:05
